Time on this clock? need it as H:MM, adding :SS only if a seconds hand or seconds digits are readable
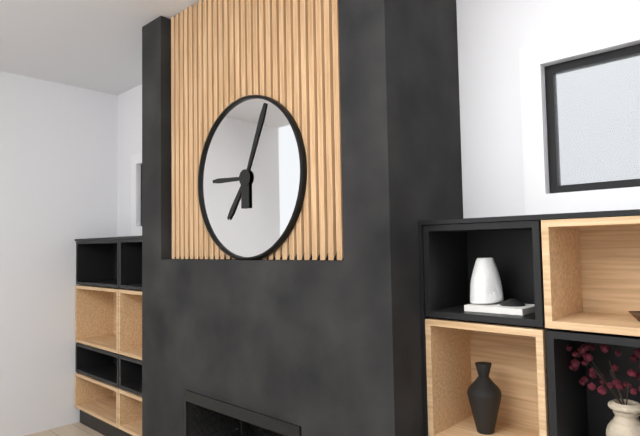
9:04:36
